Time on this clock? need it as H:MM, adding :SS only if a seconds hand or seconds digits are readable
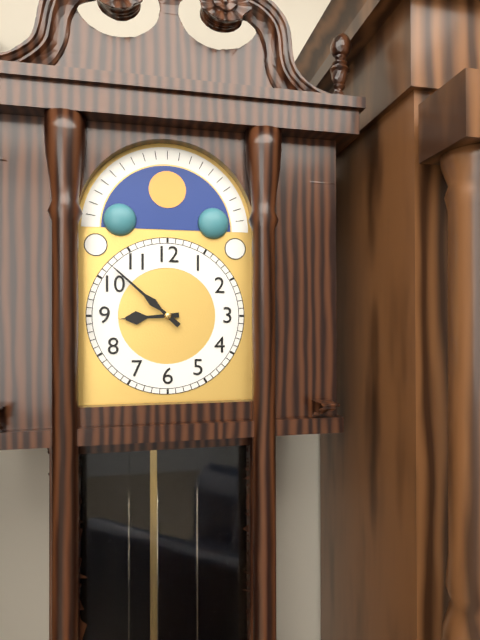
8:52
